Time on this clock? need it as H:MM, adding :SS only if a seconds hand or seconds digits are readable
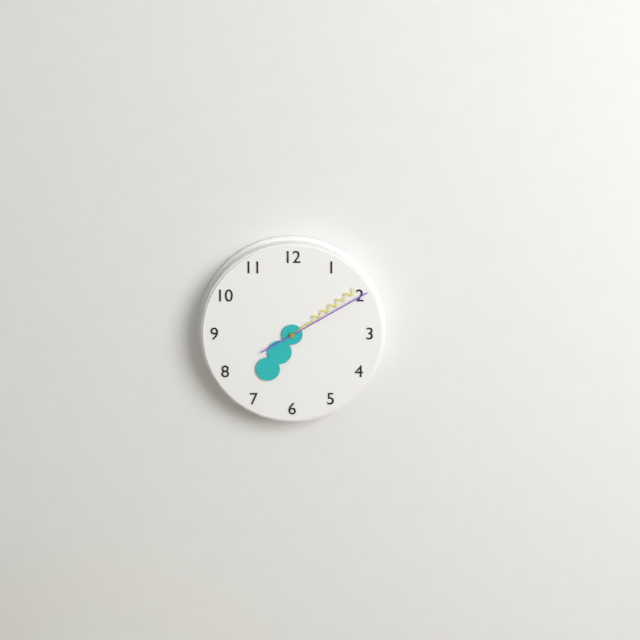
7:09:10
